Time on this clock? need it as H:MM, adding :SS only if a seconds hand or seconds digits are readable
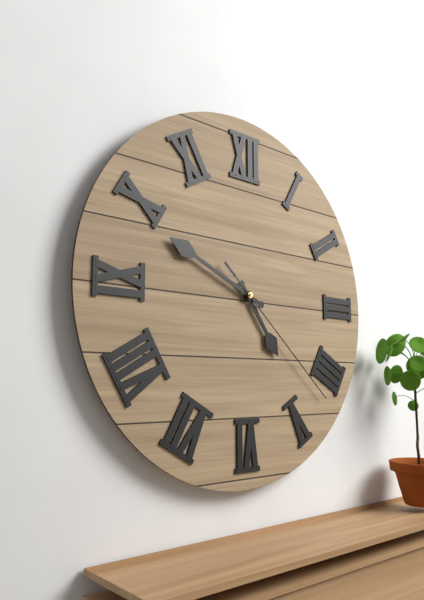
4:49:22
